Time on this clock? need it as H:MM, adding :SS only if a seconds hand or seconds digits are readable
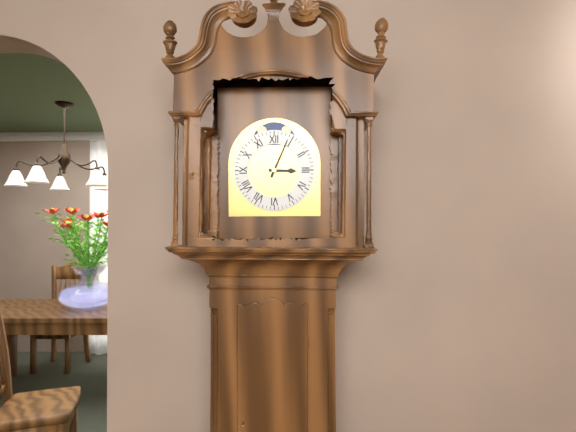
3:04
